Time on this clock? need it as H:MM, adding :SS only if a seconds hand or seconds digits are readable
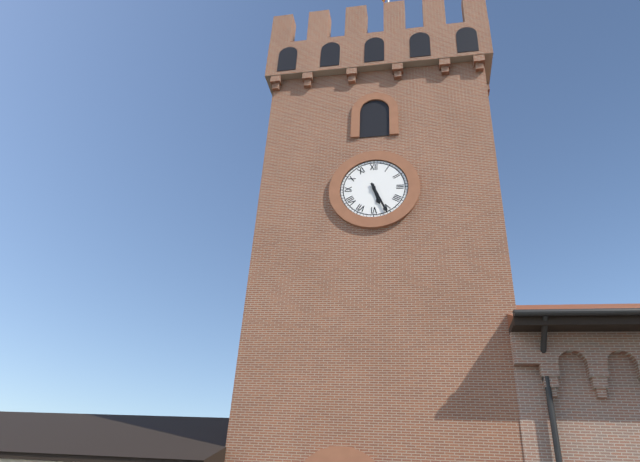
5:26
